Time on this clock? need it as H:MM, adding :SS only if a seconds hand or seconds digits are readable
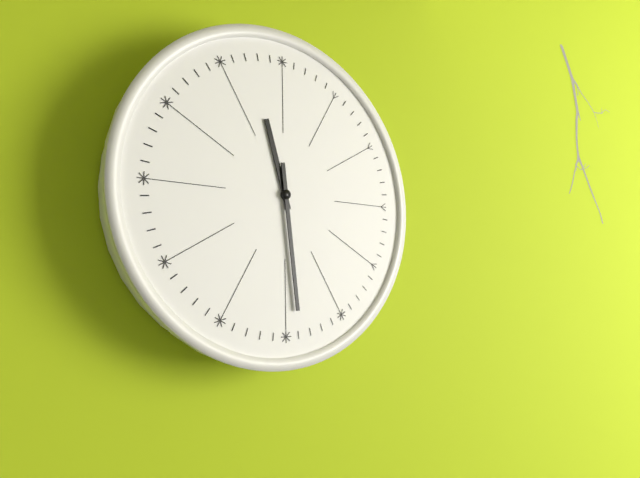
11:29
